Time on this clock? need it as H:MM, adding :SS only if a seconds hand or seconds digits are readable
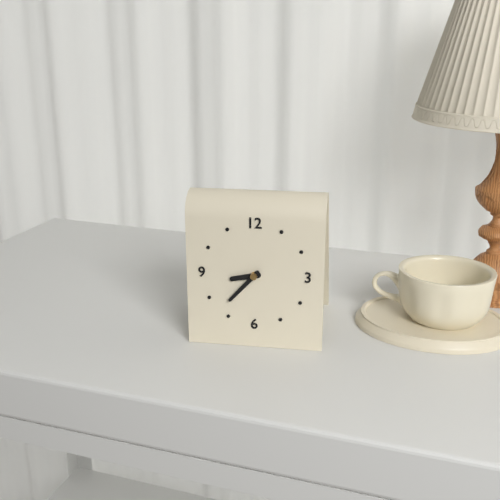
8:37
